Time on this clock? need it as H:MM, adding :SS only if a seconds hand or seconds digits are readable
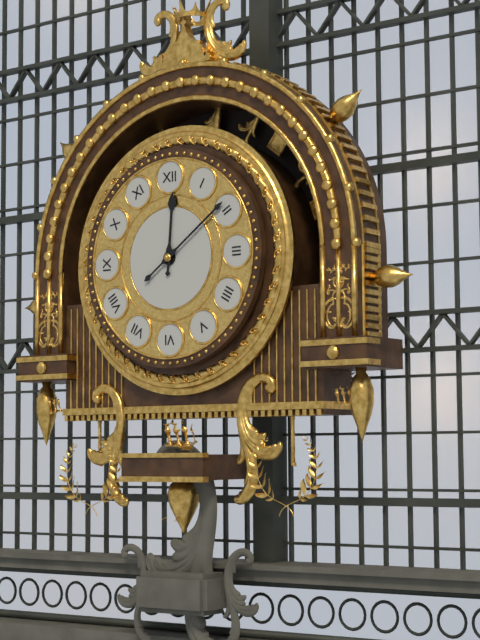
12:09
